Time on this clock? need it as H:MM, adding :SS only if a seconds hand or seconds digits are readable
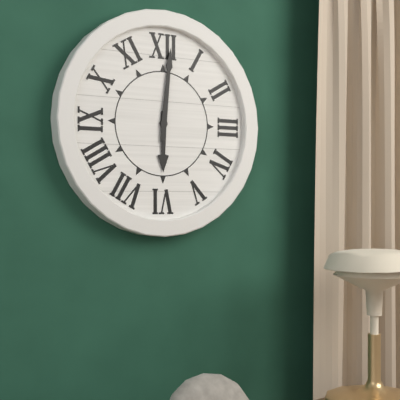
6:01
